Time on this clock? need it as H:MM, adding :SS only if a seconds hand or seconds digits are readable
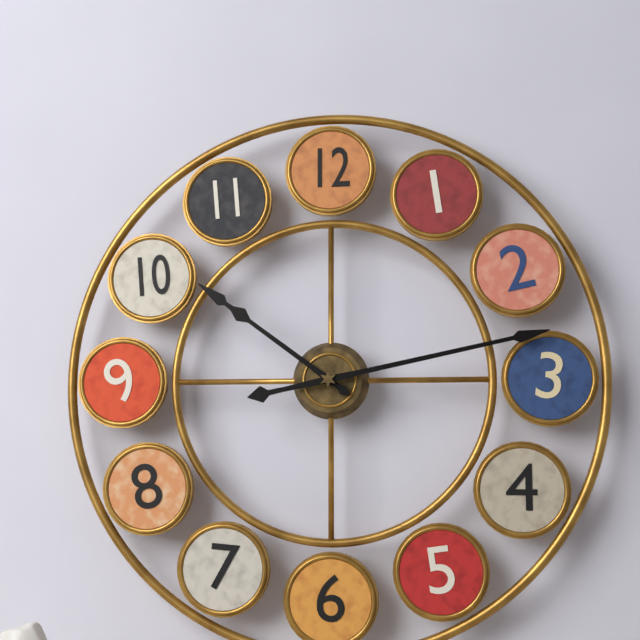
10:13
